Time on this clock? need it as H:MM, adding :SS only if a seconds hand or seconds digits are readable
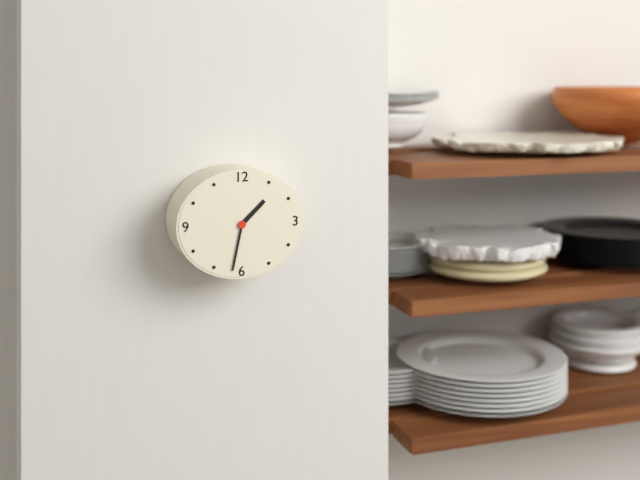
1:32
